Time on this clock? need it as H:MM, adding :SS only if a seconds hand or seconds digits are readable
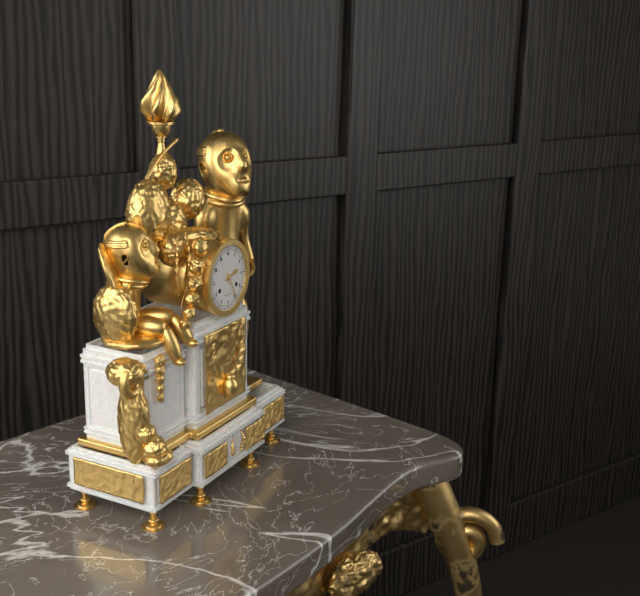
2:25
